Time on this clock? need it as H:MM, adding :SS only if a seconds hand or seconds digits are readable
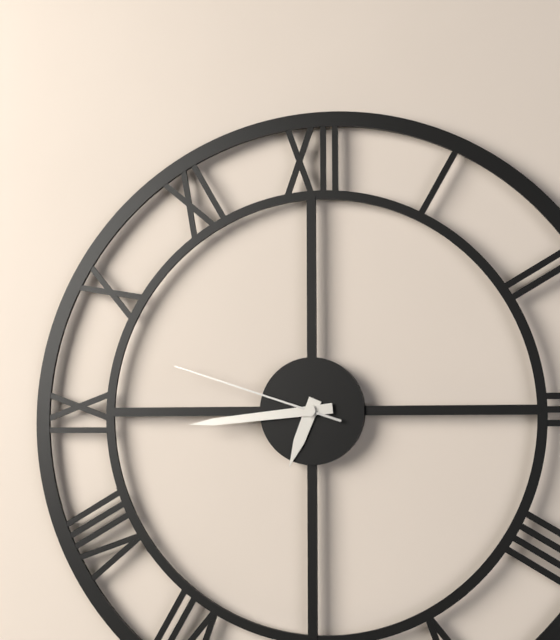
6:44:48
